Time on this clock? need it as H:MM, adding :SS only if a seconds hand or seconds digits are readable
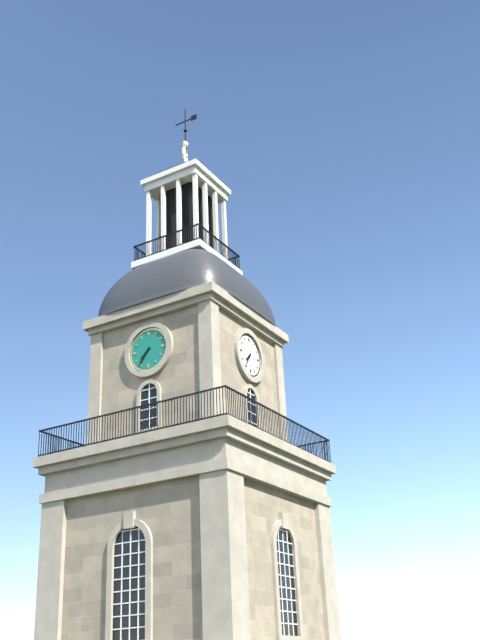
7:36
